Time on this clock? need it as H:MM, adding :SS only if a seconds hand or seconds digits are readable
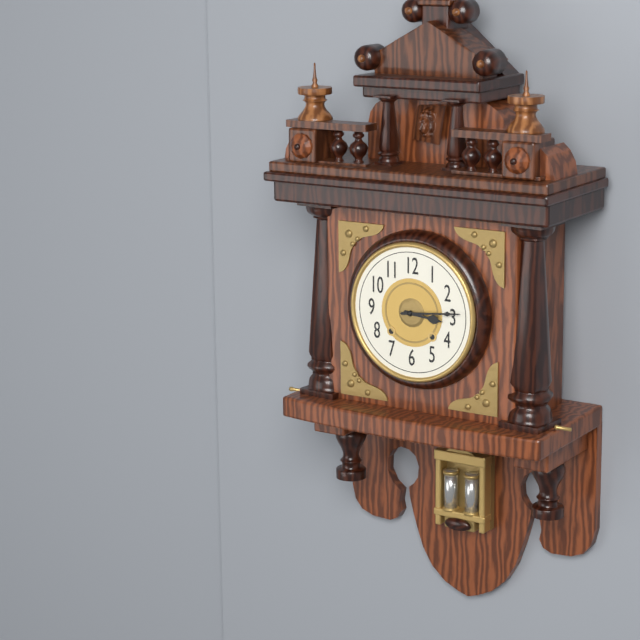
3:14
